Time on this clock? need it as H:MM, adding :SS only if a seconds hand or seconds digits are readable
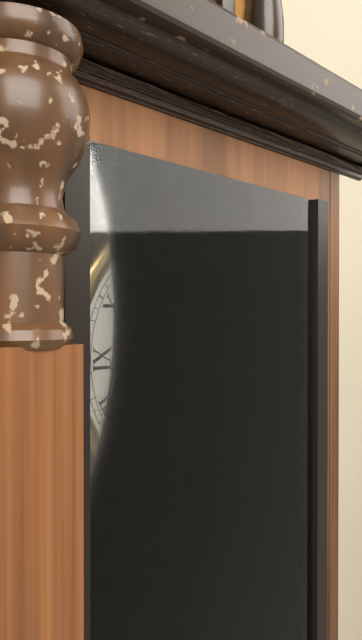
3:38
